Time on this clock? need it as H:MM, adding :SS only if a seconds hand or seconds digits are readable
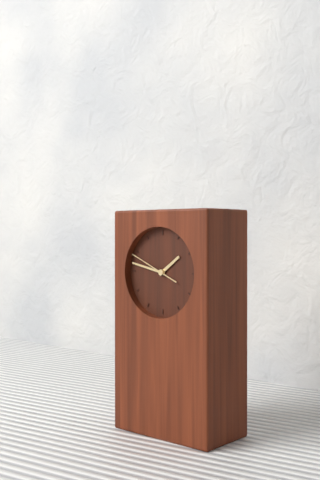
1:47
